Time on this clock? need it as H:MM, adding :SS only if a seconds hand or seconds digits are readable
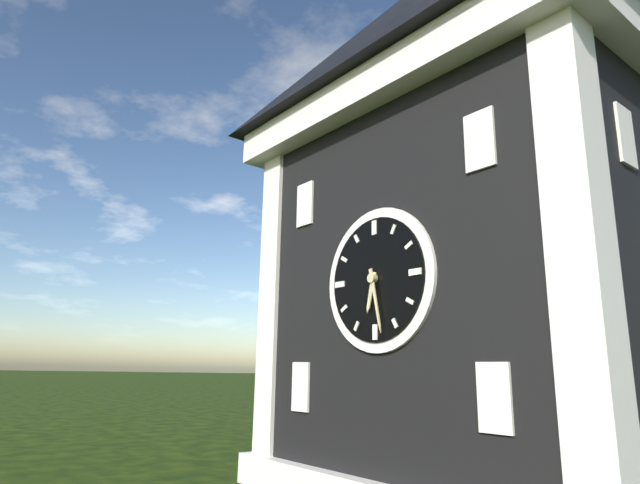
6:28
